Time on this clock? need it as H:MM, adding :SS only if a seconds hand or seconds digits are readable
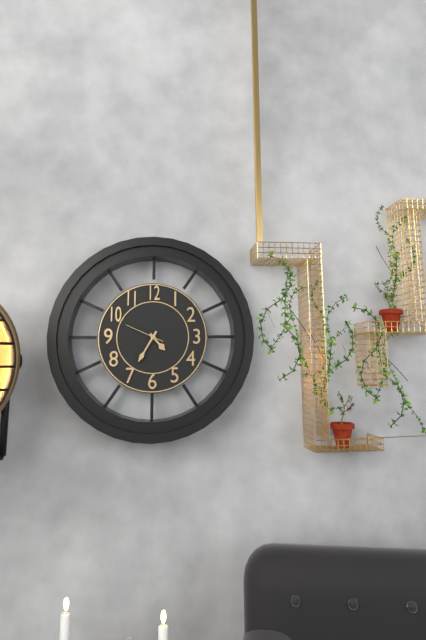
4:35
